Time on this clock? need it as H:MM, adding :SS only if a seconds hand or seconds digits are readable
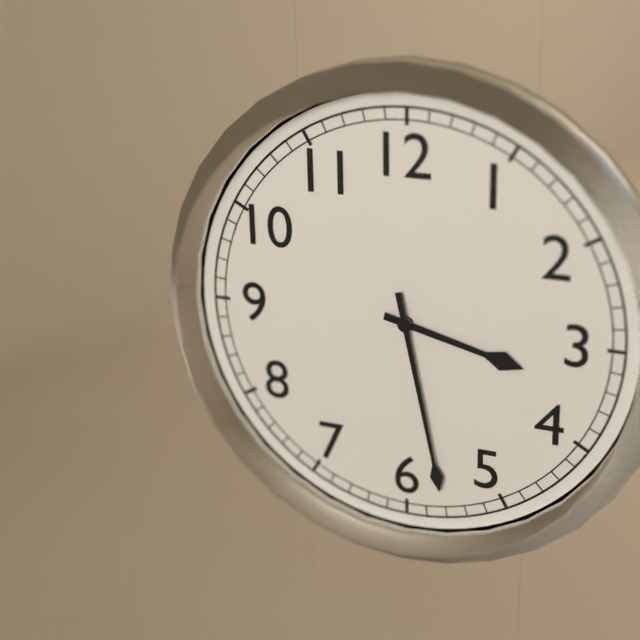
3:28
